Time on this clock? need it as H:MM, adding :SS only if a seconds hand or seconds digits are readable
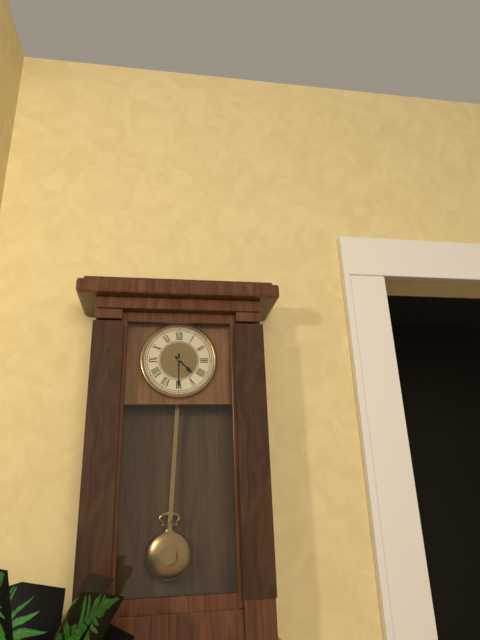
4:30
